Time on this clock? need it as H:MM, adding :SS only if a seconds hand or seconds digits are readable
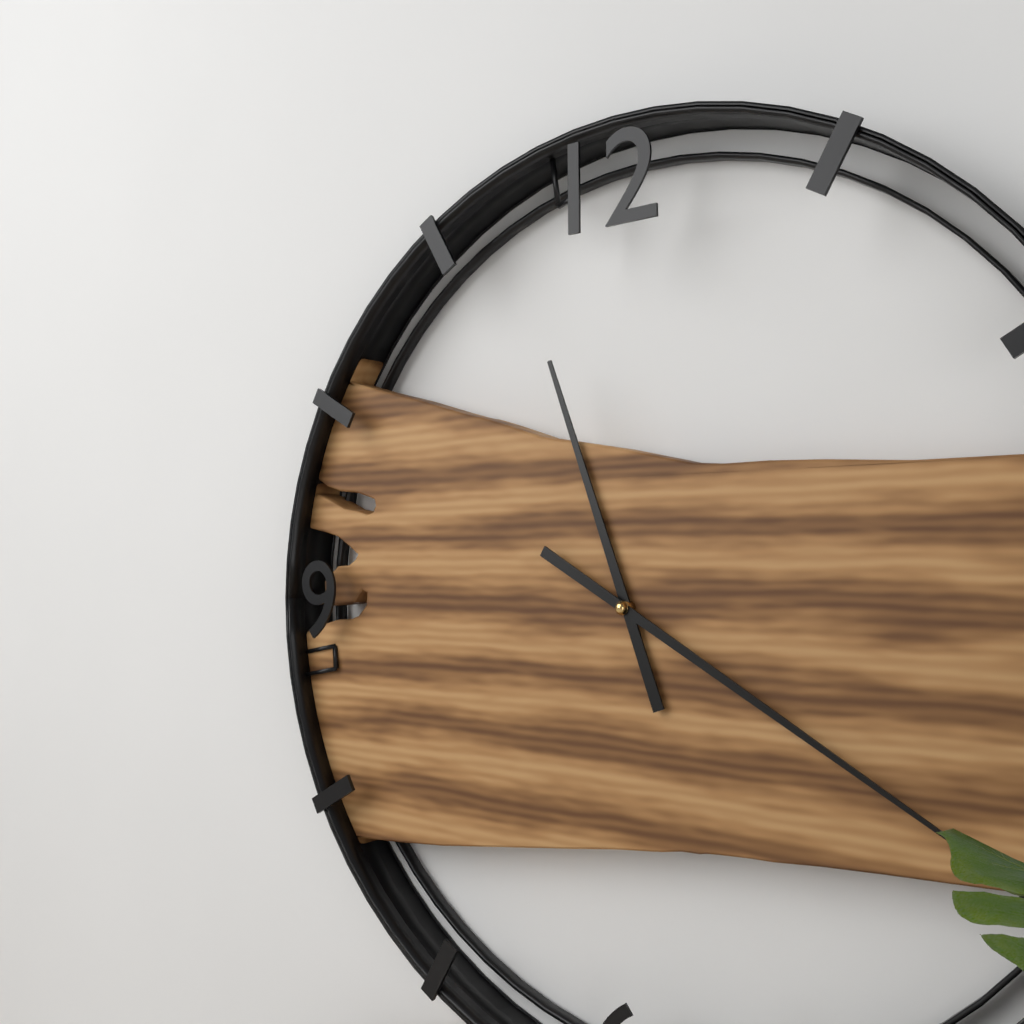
11:20
